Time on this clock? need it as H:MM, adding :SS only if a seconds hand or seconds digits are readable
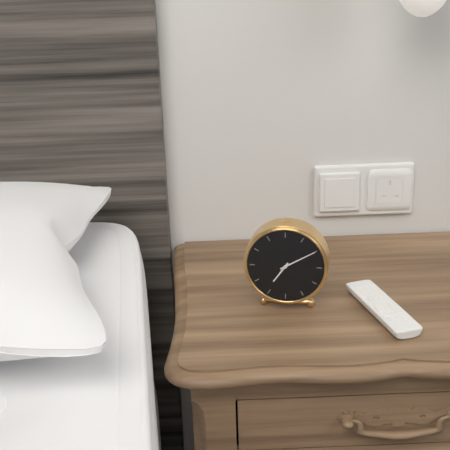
7:10
